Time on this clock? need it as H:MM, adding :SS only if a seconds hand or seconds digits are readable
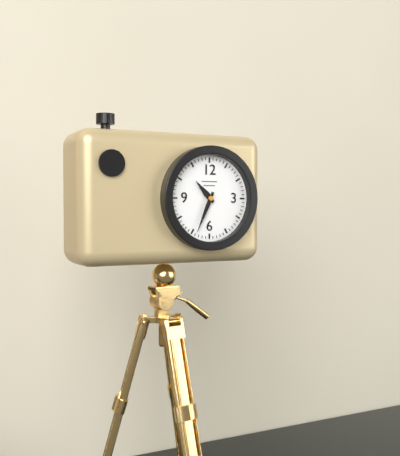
10:34
